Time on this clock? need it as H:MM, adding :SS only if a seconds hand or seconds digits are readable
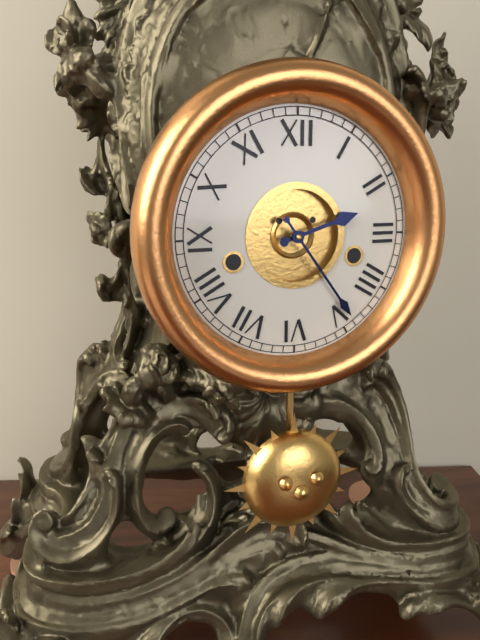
2:24
